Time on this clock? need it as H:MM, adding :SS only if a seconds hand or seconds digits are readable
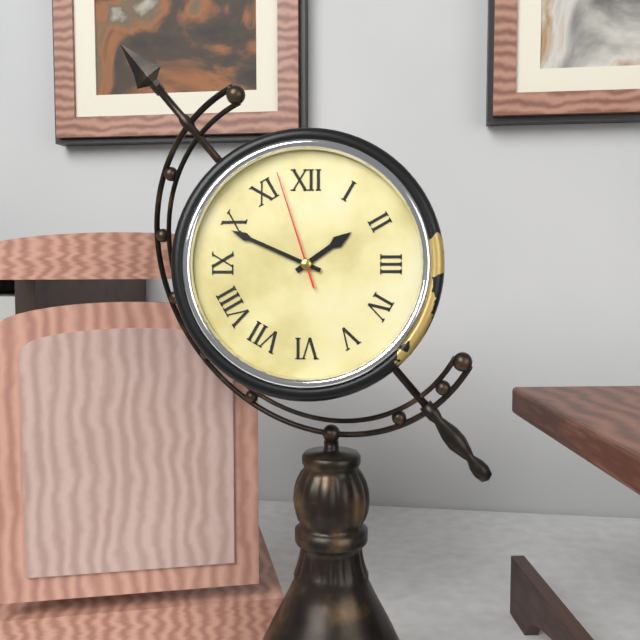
1:49:57
